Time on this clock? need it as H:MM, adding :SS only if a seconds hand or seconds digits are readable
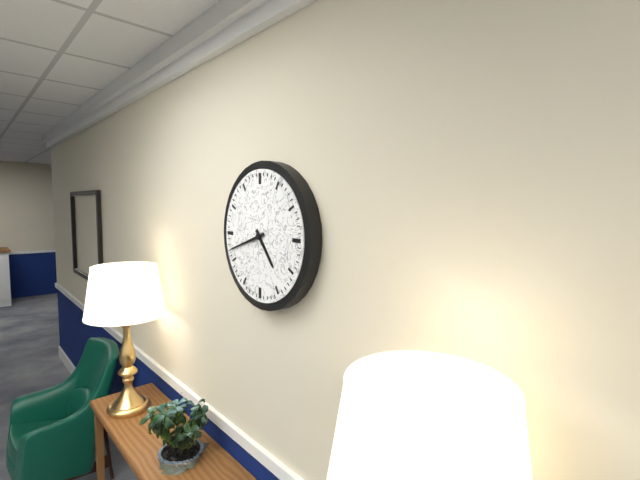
4:42
